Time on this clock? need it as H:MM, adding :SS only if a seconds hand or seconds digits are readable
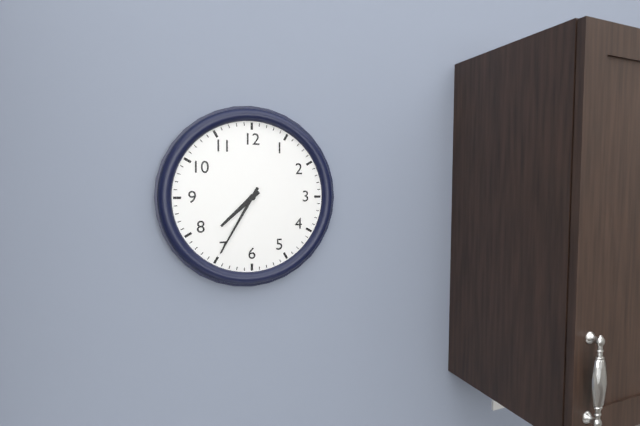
7:35
